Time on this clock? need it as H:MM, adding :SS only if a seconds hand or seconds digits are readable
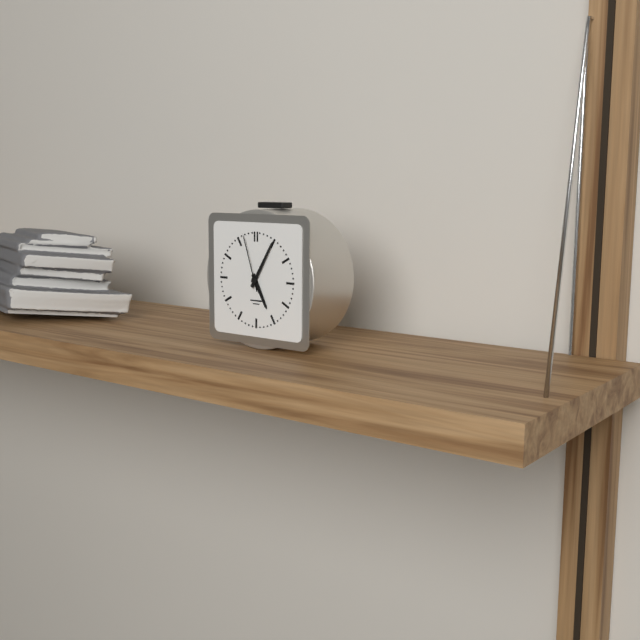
5:05:57
